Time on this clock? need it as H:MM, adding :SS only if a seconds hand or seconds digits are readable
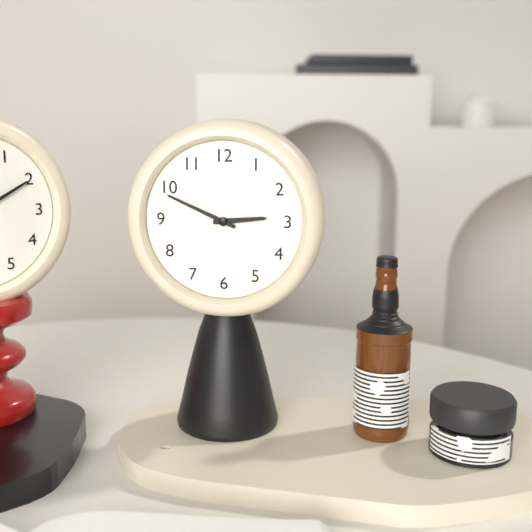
2:49
